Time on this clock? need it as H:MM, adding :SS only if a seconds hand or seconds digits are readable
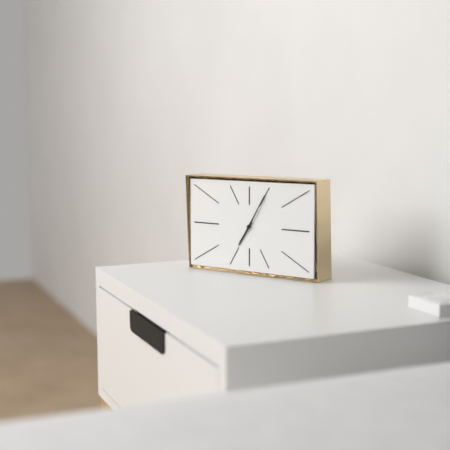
7:05
